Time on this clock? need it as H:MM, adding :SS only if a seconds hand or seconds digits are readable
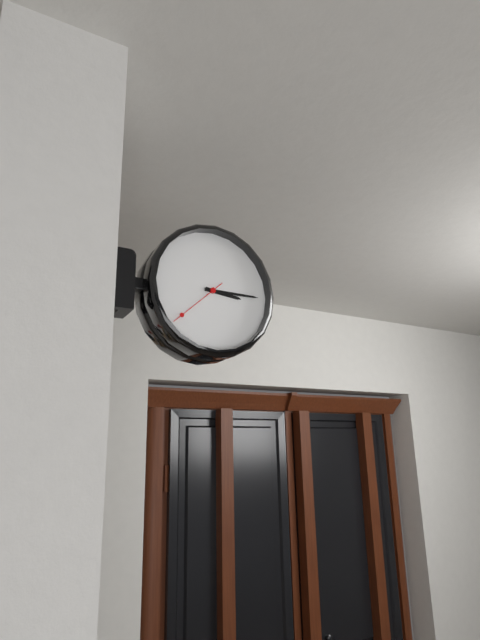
3:15:38
